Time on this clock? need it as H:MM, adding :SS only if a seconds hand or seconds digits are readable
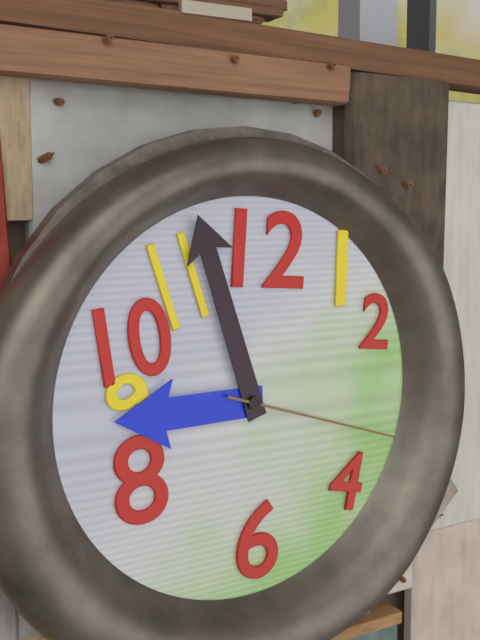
8:57:18
